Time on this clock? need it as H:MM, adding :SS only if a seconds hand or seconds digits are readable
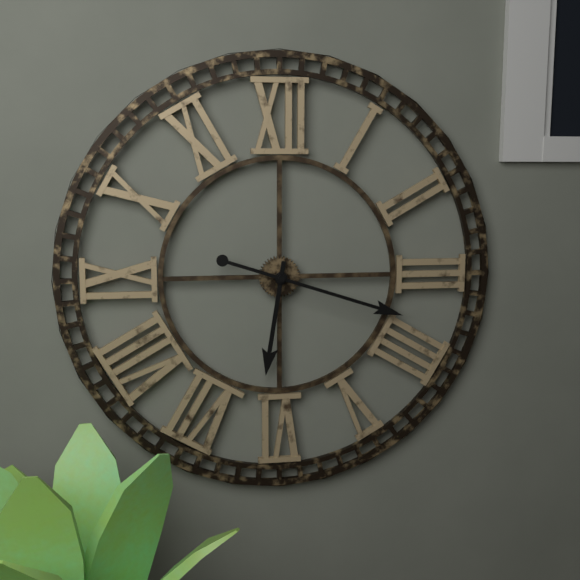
6:18
